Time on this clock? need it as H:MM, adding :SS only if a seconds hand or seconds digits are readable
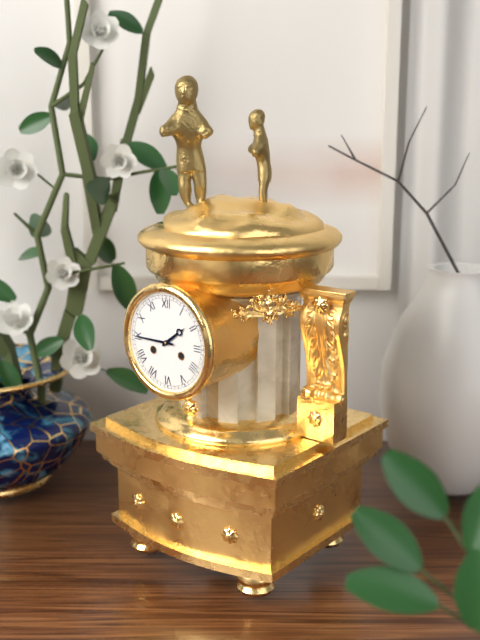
1:45
